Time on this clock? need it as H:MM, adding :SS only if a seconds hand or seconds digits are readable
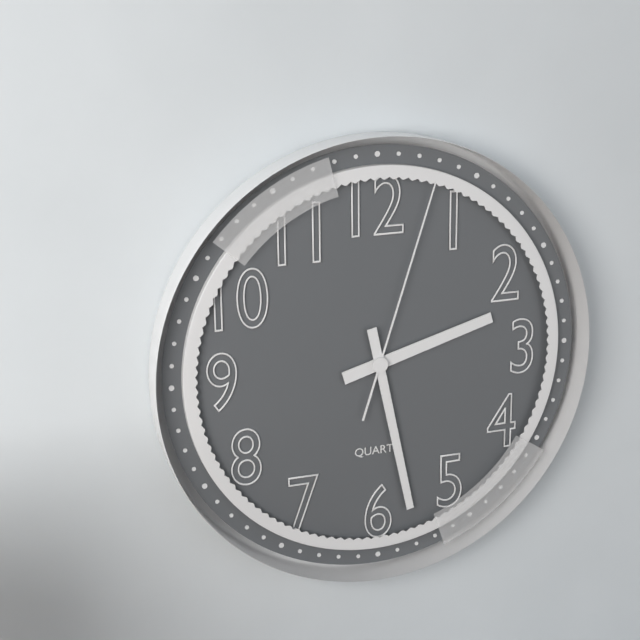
2:28:03
